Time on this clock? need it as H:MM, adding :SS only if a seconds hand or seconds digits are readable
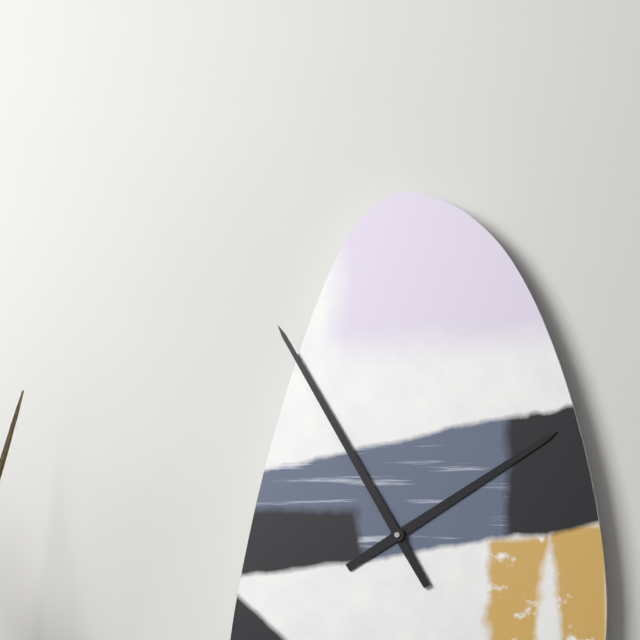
1:55
